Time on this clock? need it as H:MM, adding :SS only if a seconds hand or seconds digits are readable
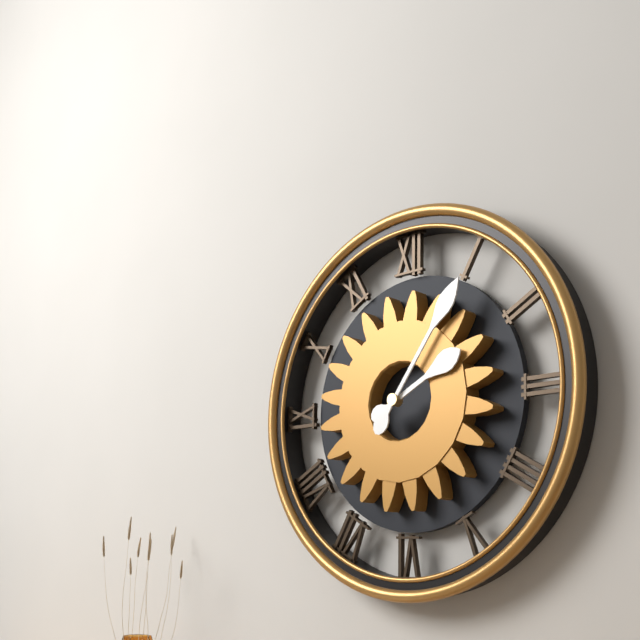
2:06
